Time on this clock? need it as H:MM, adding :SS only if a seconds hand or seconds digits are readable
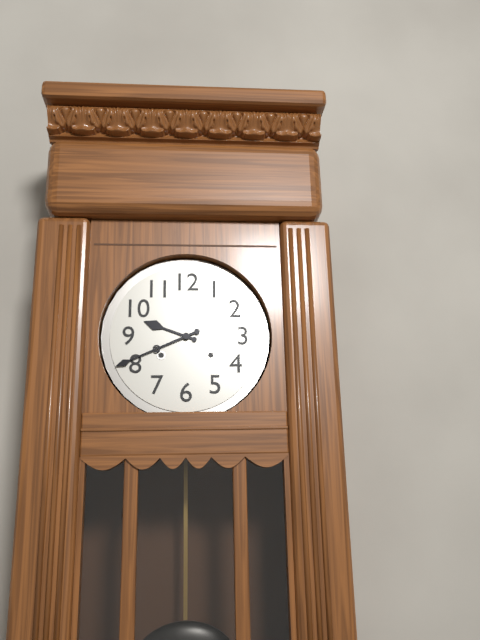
9:41
